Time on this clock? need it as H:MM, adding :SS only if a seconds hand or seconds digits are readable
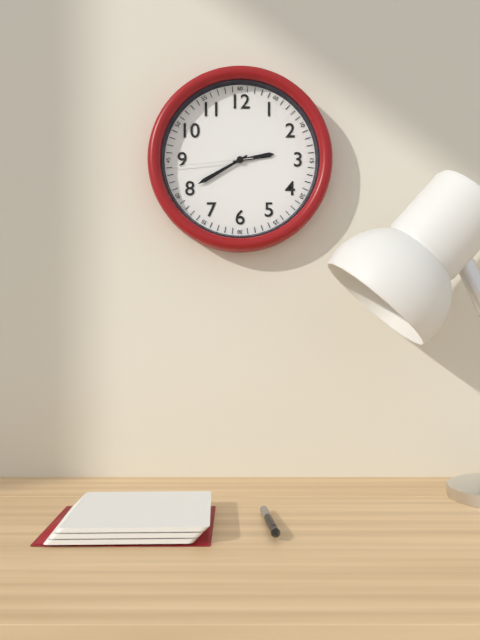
2:40:44
